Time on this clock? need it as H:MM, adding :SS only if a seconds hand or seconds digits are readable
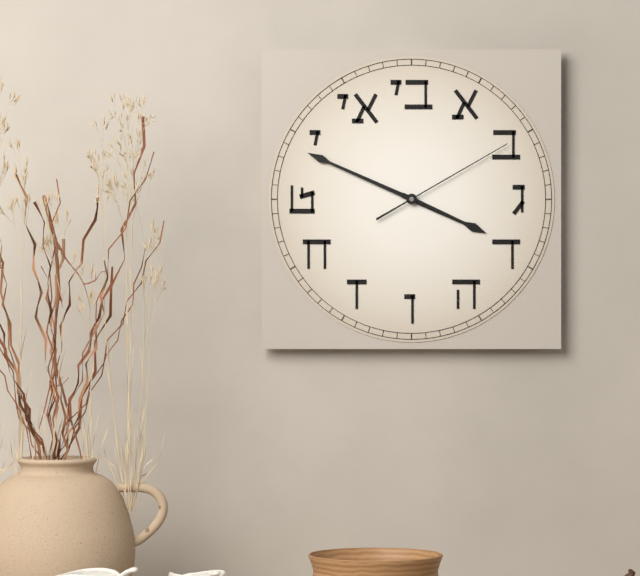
3:49:10
